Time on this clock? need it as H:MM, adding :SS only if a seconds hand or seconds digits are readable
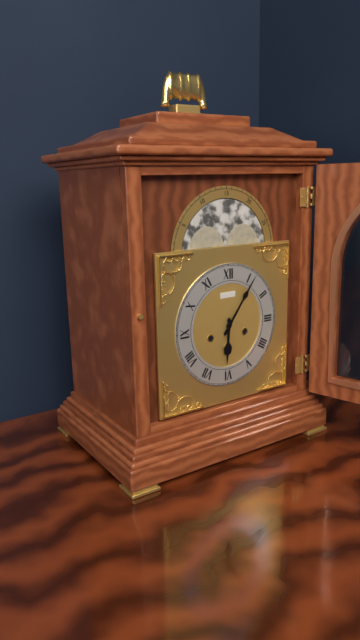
6:06
